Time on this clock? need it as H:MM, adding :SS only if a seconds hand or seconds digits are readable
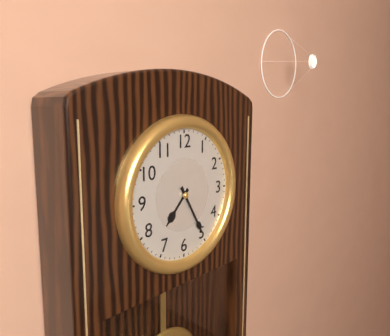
7:25
